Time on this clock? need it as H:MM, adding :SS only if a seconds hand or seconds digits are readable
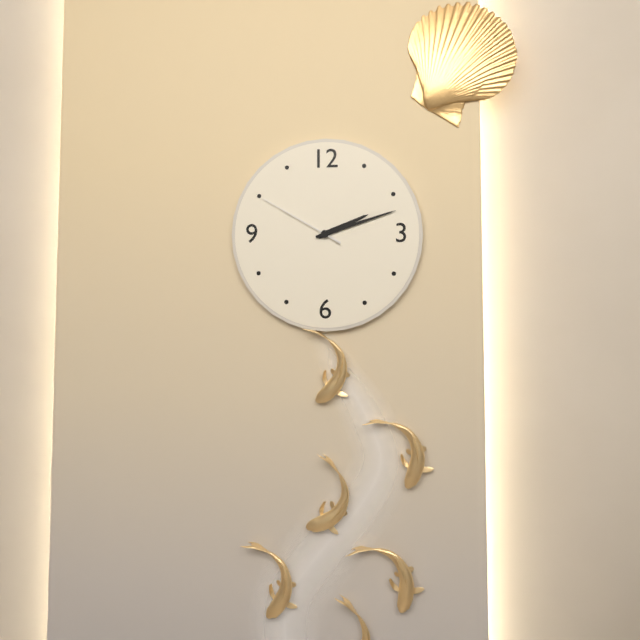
2:12:50
